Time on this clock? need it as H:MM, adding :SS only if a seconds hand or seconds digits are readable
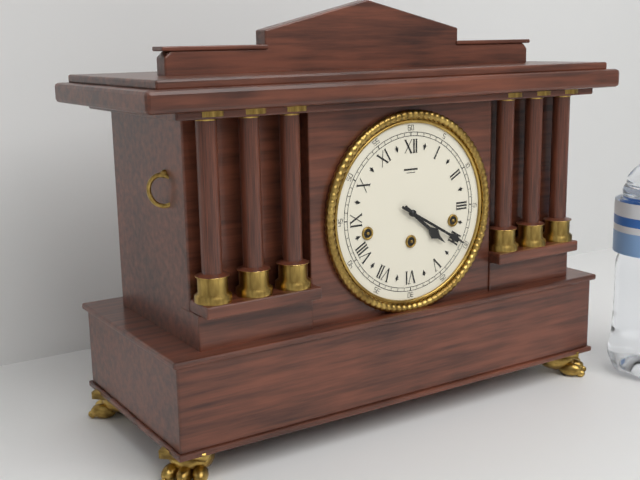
4:20
